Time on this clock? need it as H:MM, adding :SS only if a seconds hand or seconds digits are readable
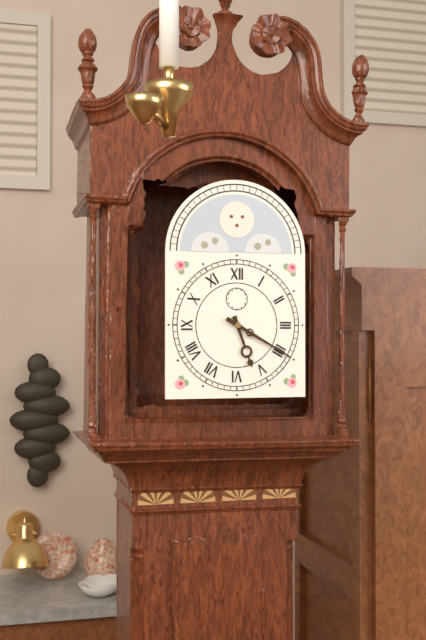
5:20
